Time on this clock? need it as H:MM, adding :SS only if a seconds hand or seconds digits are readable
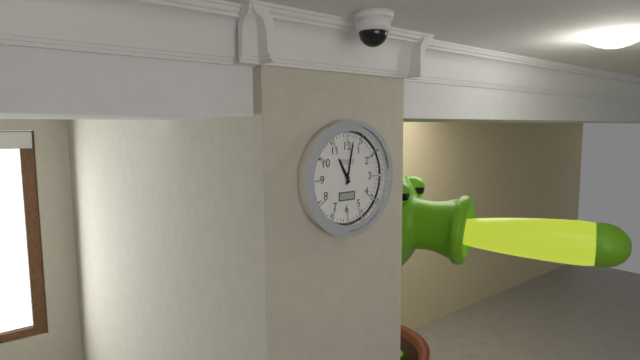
11:02
